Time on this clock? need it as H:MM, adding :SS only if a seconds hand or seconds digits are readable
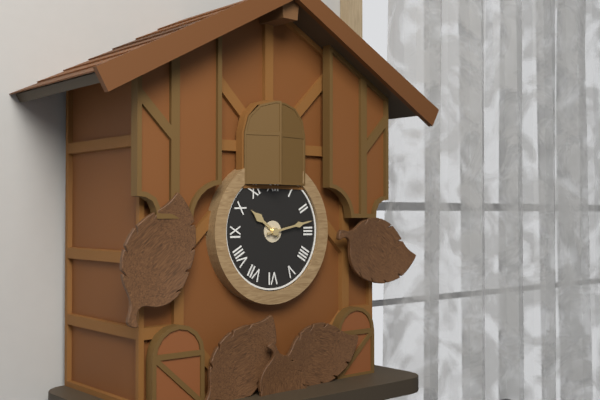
10:13
